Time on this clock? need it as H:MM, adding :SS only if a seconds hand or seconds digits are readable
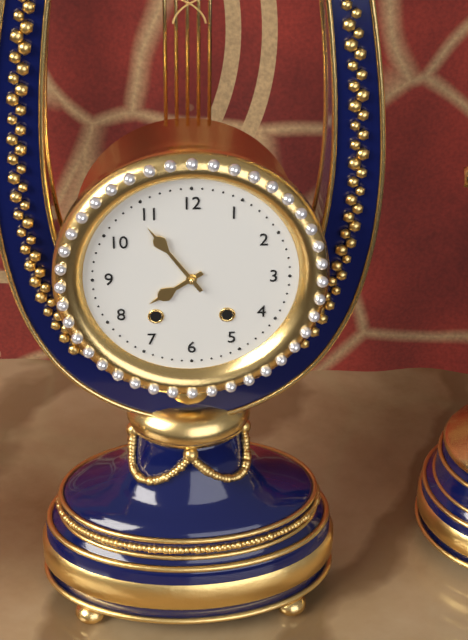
7:54
